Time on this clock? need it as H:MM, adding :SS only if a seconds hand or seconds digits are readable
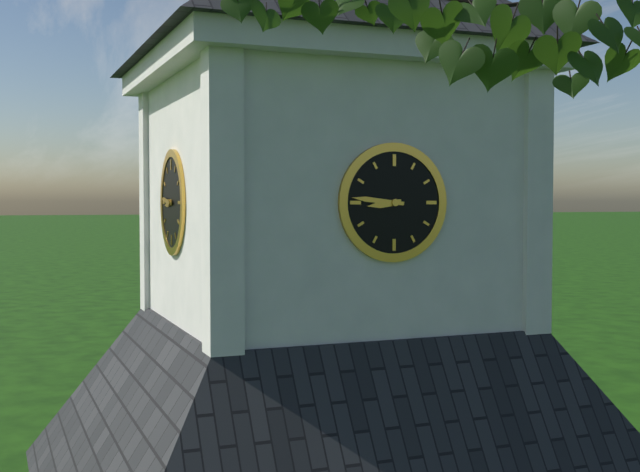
8:46
